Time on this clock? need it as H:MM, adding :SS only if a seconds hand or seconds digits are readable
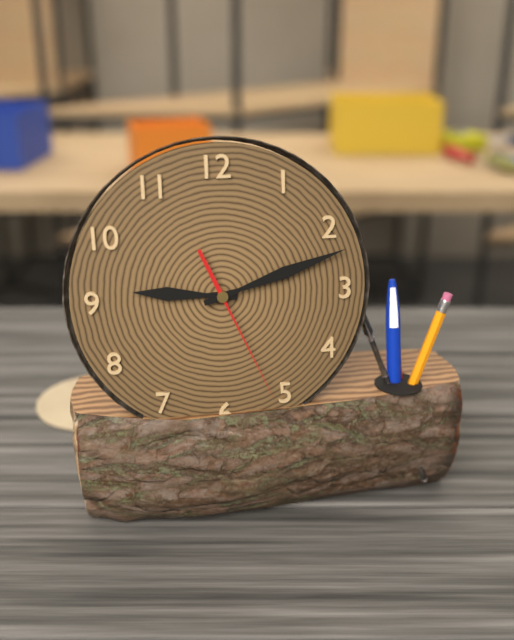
9:12:26
